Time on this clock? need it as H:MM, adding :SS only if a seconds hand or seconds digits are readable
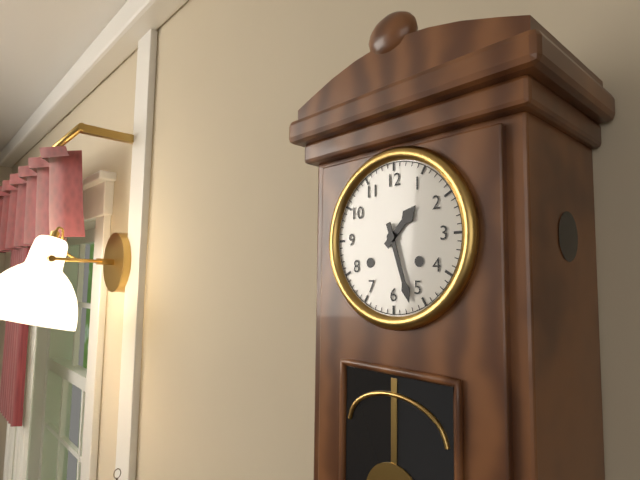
1:27
